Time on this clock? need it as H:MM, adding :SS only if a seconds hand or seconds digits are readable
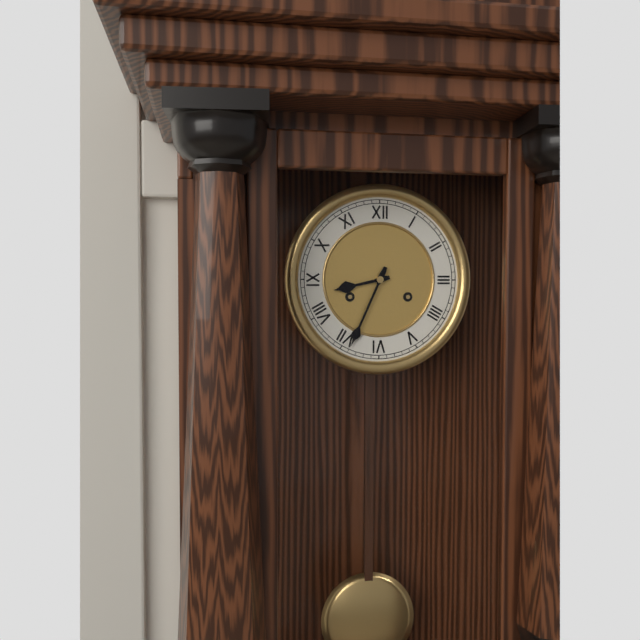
8:34
